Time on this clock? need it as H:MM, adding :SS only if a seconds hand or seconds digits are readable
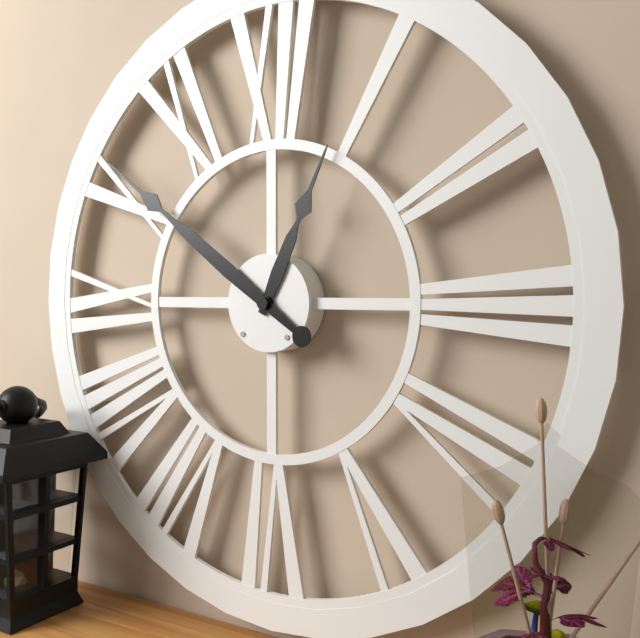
12:51
